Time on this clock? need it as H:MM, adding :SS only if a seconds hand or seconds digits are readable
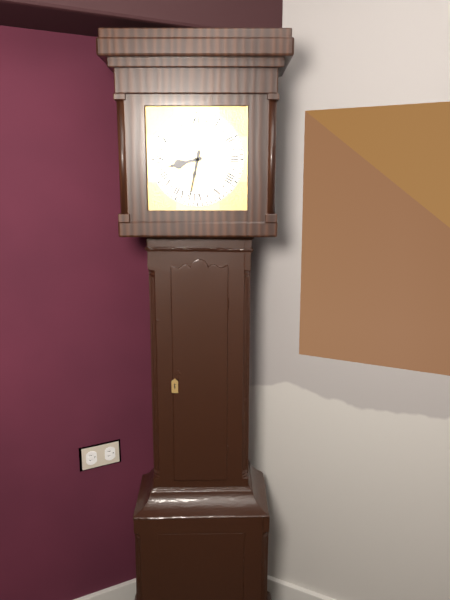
8:32
